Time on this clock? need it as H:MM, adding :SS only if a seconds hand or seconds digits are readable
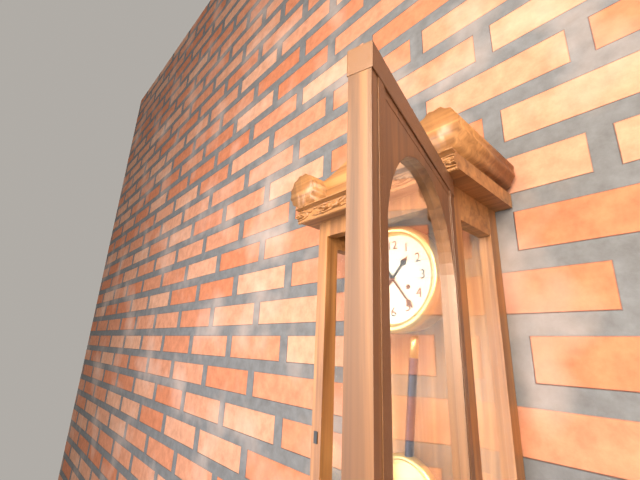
1:24
